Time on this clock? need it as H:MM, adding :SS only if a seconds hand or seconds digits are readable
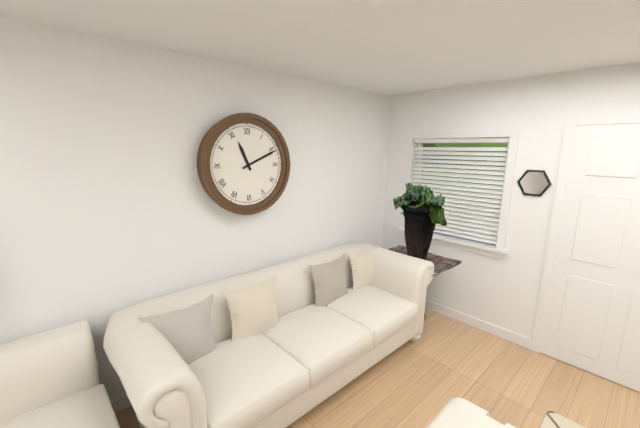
11:11
